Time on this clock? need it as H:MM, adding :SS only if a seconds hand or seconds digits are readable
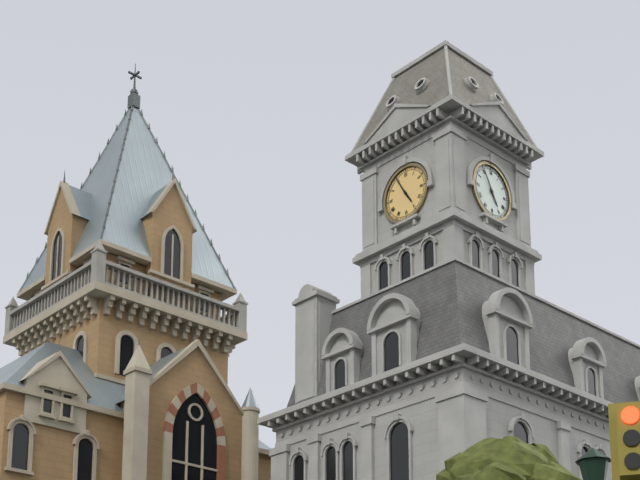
4:55
